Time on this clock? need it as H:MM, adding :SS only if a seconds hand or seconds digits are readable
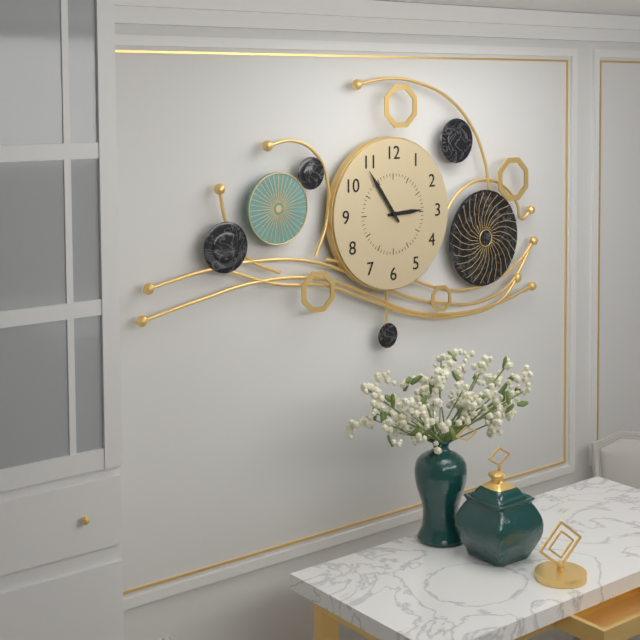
2:54
